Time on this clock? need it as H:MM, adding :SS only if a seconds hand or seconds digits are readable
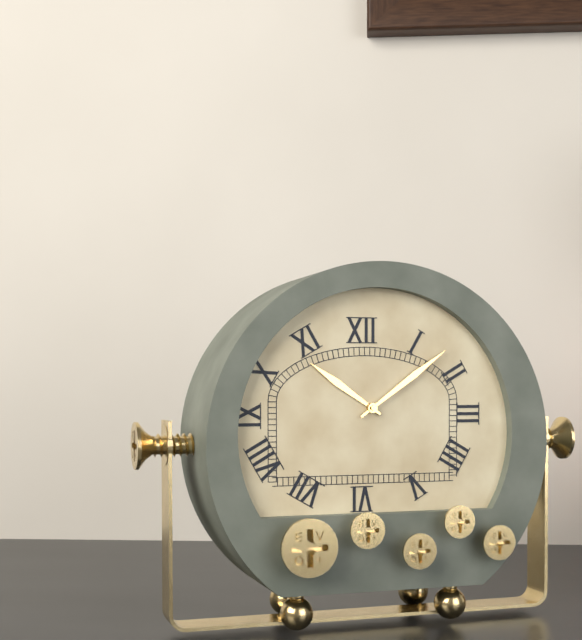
10:09
